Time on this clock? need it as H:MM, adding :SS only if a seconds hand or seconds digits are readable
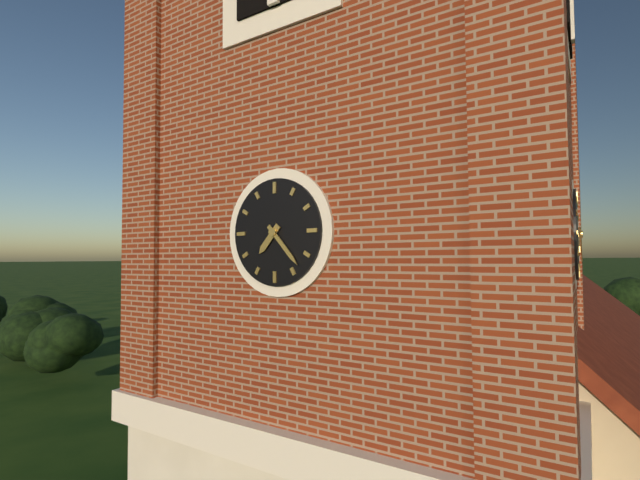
7:23
